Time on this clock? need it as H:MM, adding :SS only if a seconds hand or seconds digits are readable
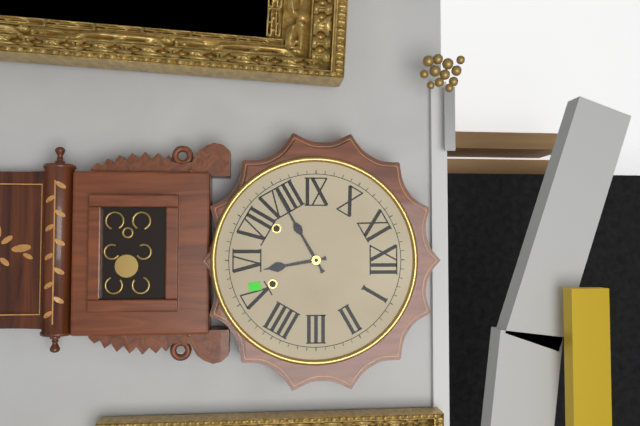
5:40
